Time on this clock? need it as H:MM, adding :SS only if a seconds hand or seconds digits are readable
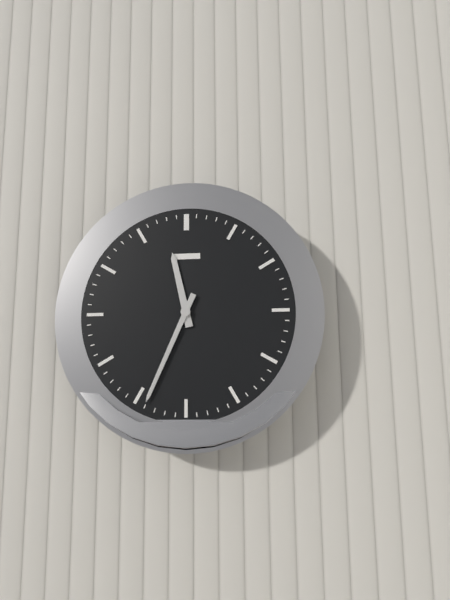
11:34
